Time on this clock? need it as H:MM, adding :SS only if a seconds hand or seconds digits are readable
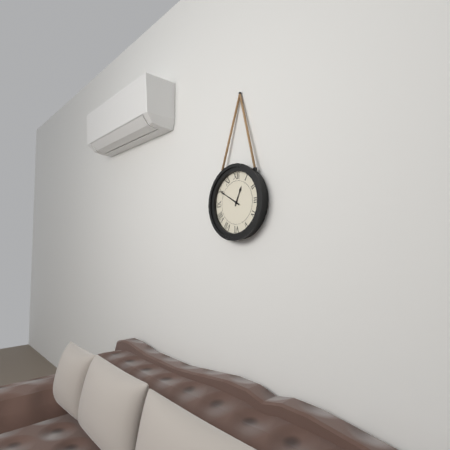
12:50
